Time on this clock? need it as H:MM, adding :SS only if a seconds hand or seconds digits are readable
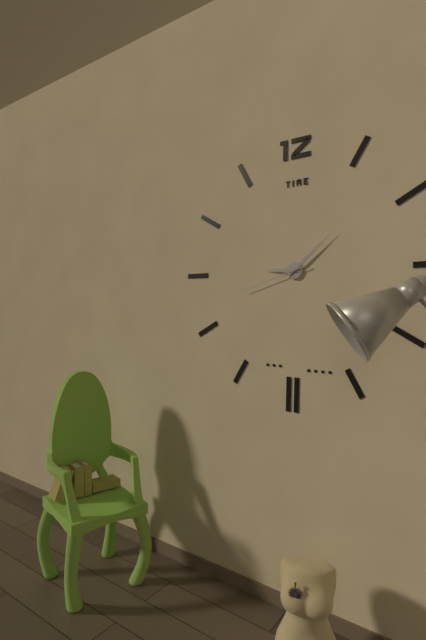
9:08:42
